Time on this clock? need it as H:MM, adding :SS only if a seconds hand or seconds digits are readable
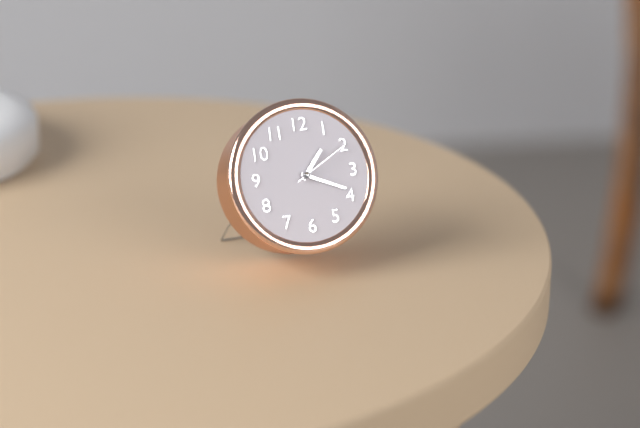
1:19:10
